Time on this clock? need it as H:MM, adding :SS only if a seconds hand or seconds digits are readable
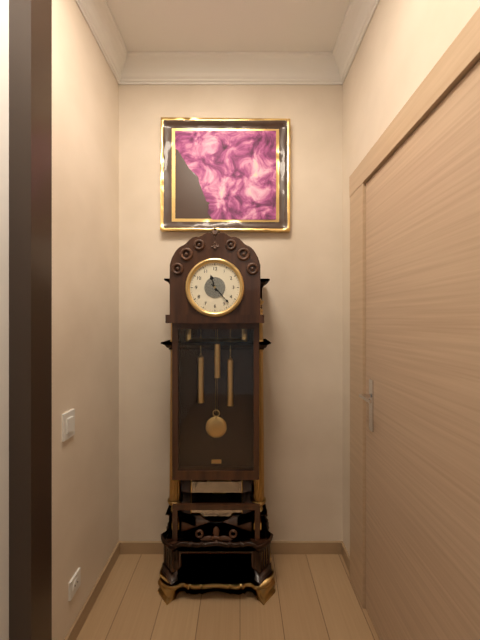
11:23
